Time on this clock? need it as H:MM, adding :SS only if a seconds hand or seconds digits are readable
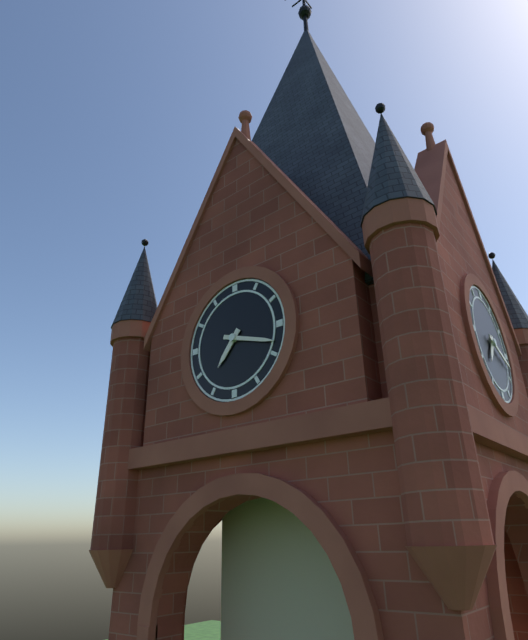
7:18
